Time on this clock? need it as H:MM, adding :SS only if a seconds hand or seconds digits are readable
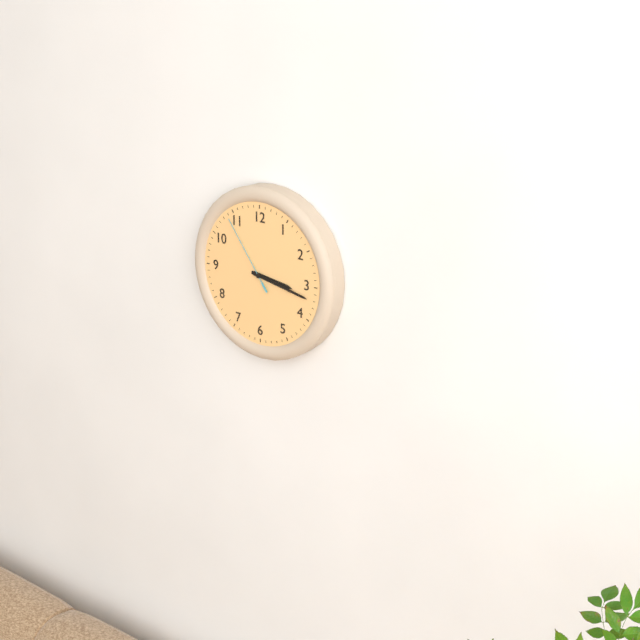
3:17:54
